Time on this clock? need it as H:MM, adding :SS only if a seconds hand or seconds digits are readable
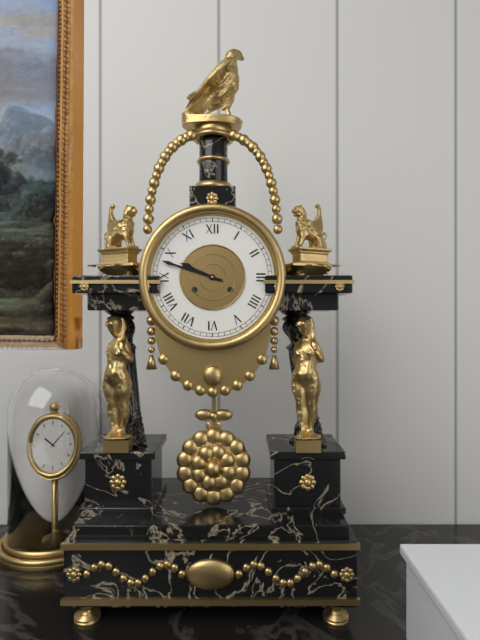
9:48
